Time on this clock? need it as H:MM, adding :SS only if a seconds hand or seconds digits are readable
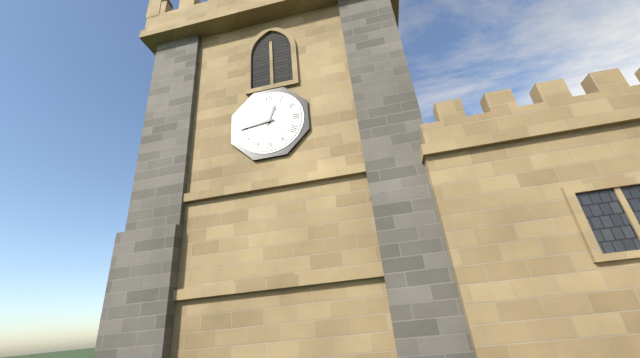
12:44
